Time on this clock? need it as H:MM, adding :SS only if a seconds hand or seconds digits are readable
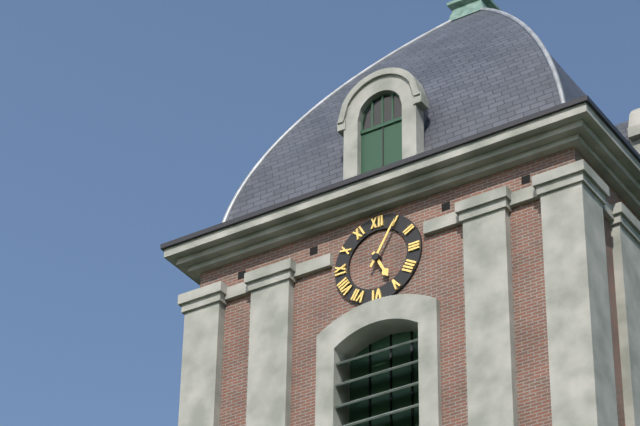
5:05
